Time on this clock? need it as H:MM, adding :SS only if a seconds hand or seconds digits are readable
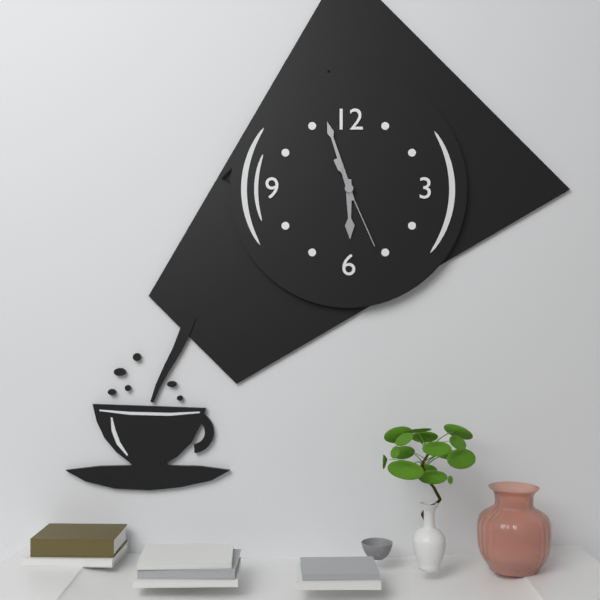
5:57:26
